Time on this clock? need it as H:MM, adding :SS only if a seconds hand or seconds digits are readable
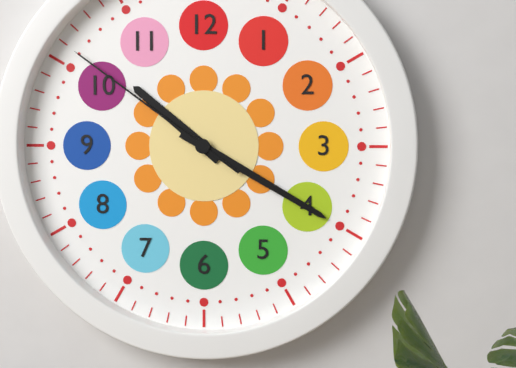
10:20:51
